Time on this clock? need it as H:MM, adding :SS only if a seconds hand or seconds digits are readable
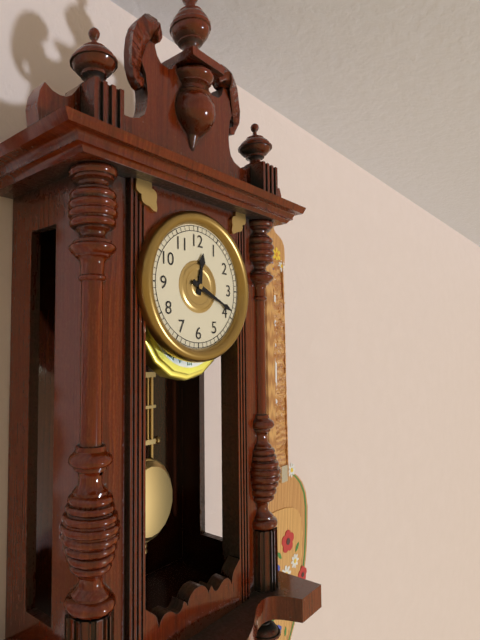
12:19
